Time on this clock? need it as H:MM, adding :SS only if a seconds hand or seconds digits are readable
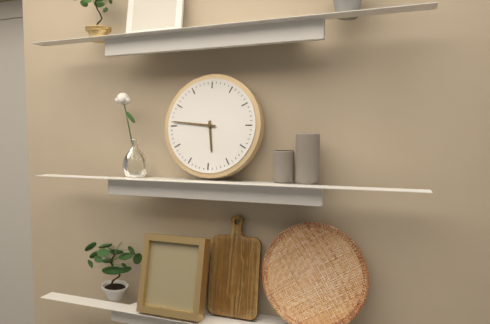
5:46
